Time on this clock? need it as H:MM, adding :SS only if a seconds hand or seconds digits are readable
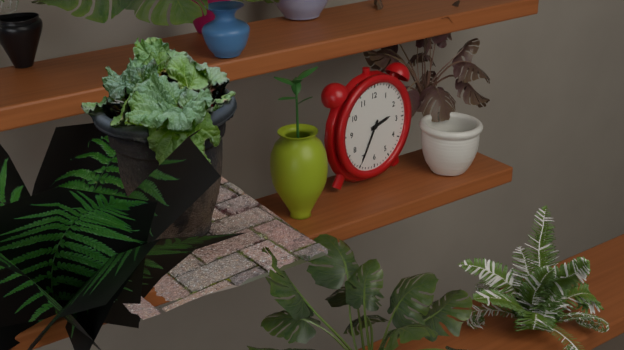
2:35
